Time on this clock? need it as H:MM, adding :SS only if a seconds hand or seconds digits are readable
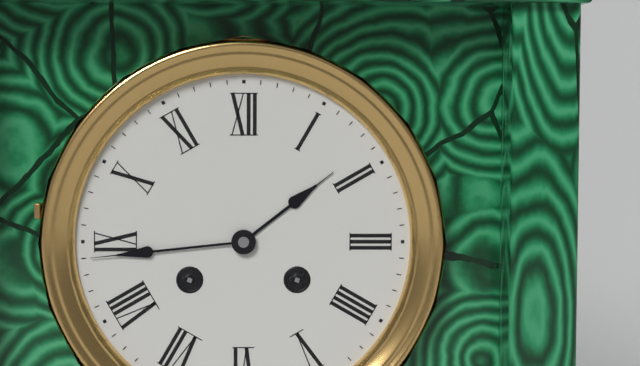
1:44
